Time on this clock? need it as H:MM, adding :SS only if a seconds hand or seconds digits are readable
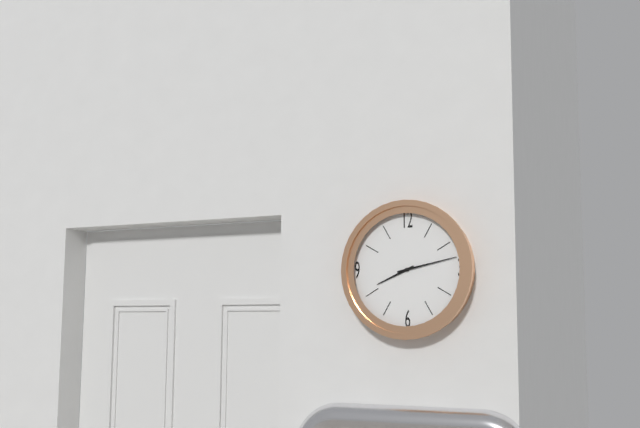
8:13
